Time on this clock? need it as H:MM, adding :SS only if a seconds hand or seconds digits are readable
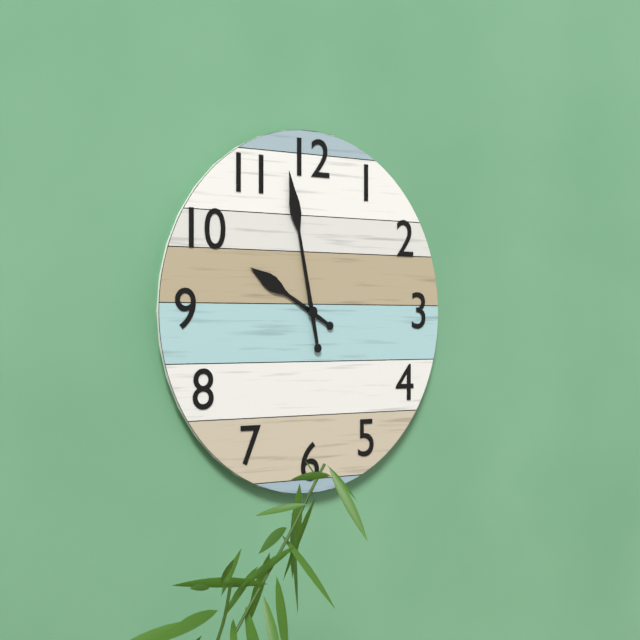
9:58
